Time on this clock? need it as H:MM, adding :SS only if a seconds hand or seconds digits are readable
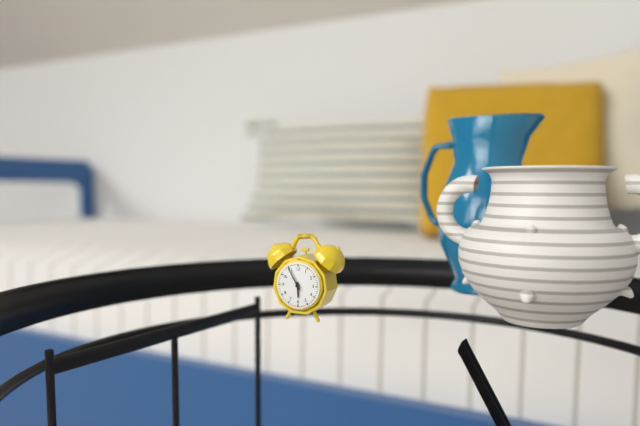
5:55
